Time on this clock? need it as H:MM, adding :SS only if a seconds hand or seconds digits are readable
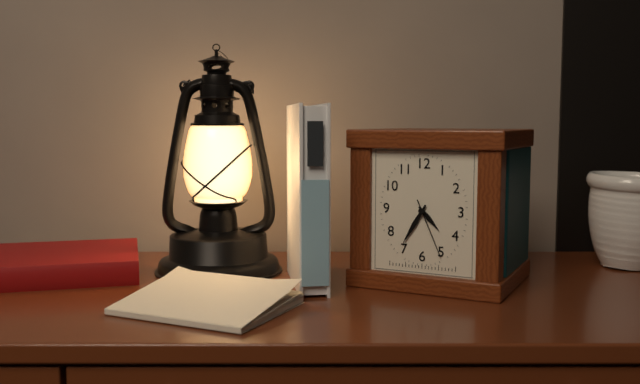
4:35:26
